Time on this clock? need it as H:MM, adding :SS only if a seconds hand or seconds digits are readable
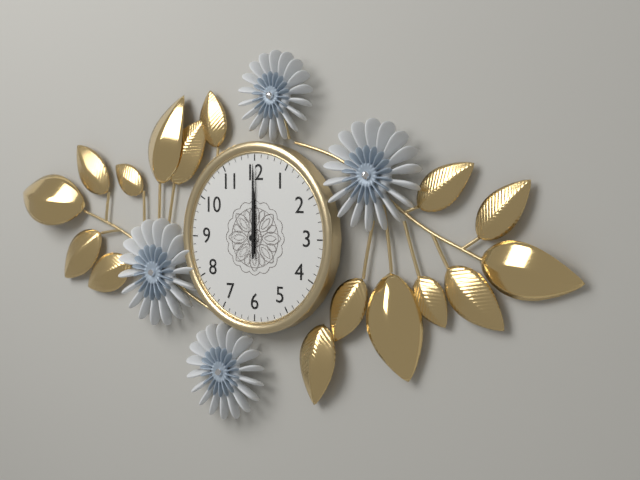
12:00
